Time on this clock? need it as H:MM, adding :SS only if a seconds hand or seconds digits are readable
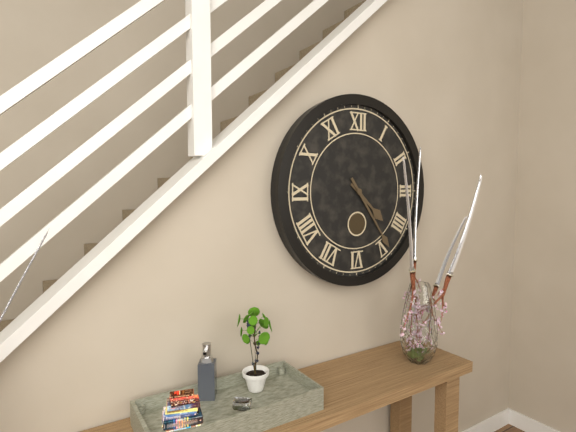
4:24
